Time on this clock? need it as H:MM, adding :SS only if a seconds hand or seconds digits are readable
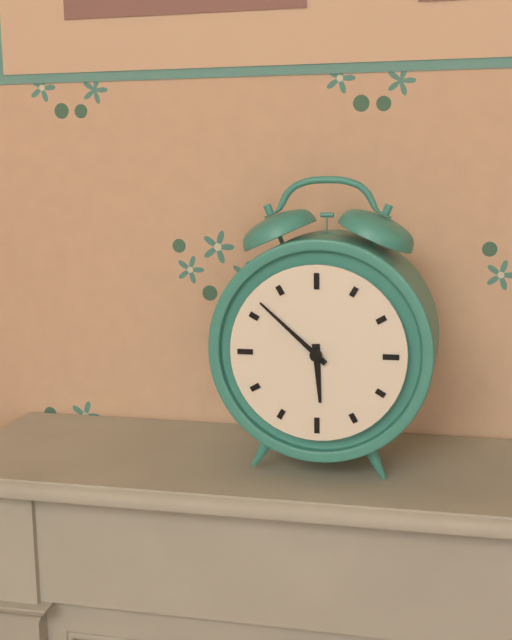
5:52
